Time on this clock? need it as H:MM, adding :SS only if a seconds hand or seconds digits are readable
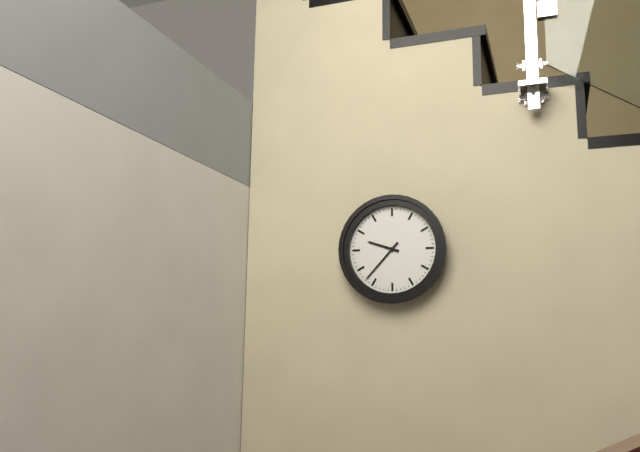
9:37
